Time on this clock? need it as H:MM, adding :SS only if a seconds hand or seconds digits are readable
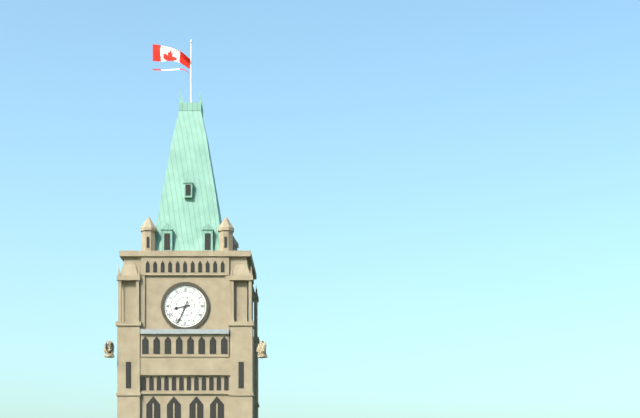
8:34
